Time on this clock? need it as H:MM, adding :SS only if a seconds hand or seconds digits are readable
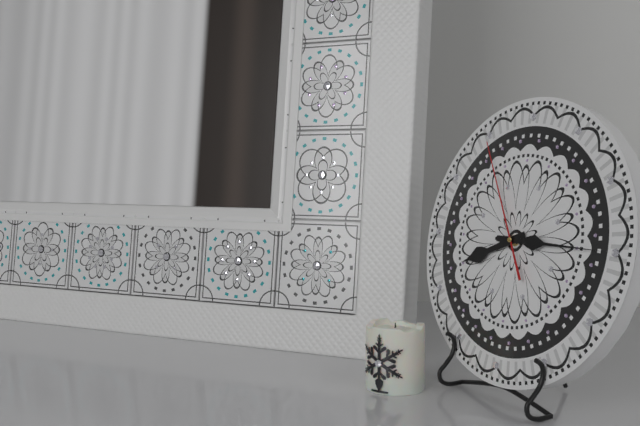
8:15:55
